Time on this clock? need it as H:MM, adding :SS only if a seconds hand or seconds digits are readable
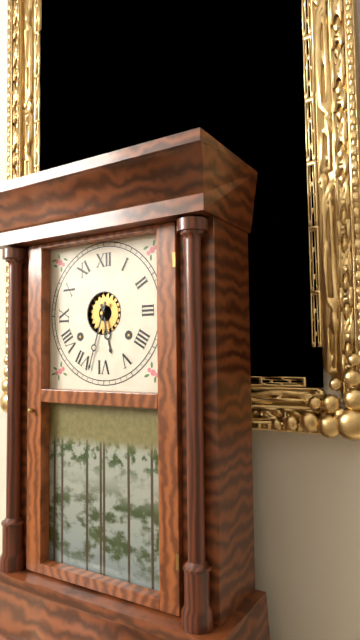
5:33
